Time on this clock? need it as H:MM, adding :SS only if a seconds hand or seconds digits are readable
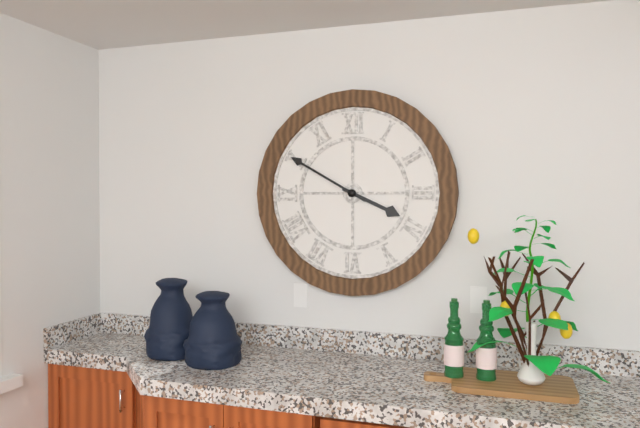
3:50
